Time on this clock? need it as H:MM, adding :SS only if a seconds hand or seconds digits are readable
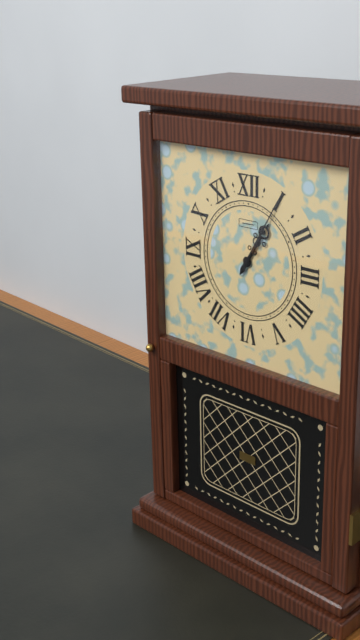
1:05
